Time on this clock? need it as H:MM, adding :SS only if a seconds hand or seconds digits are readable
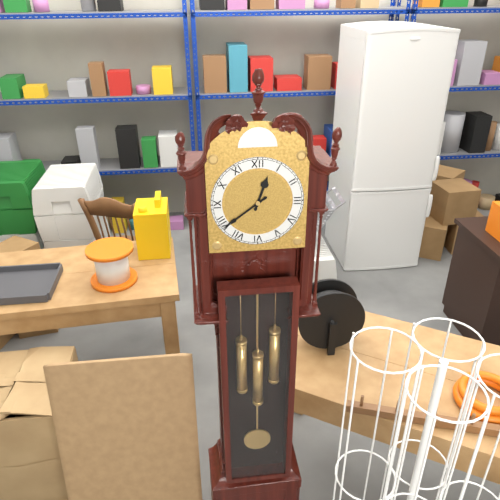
12:39
